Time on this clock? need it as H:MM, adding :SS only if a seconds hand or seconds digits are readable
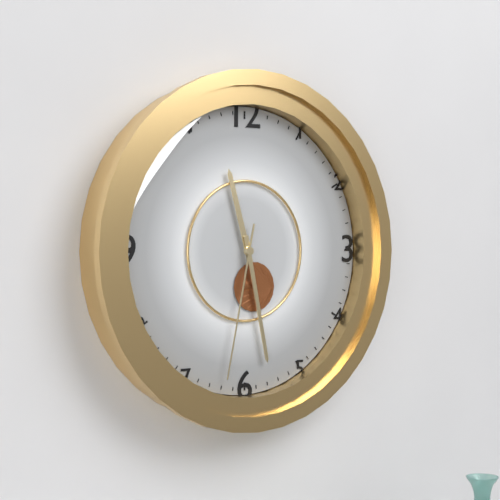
11:28:32
